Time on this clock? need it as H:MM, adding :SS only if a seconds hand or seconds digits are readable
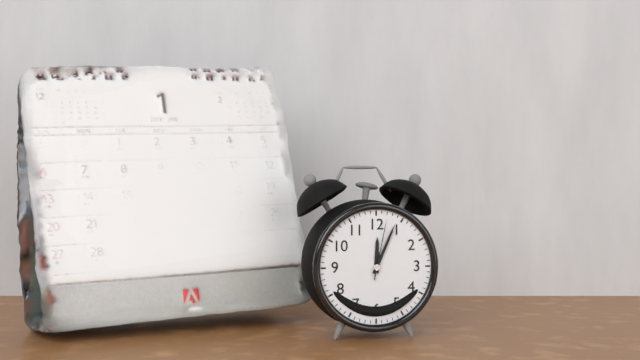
12:04:02
